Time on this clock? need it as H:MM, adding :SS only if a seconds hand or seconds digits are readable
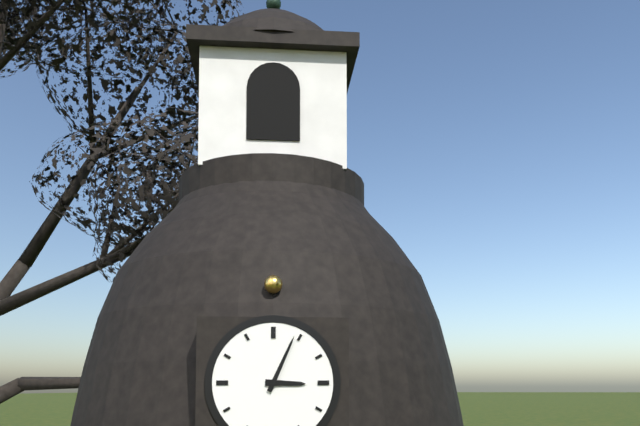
3:04
